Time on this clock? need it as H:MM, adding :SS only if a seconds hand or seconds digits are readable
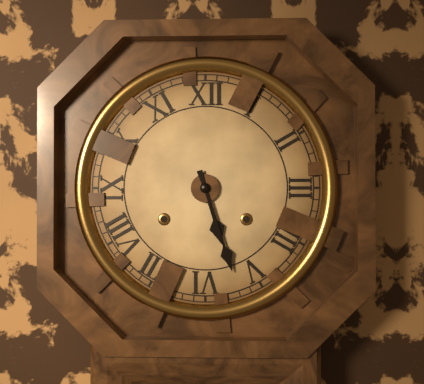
5:27
